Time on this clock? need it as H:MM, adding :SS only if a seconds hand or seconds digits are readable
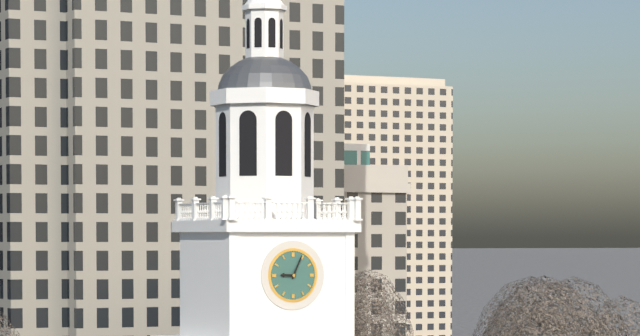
9:04
